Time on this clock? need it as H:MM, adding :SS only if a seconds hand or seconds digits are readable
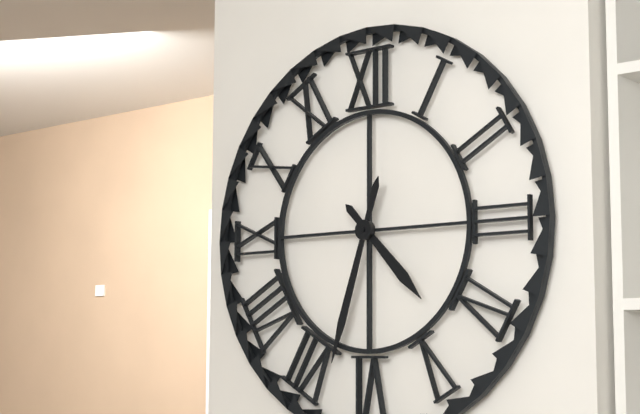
4:33
